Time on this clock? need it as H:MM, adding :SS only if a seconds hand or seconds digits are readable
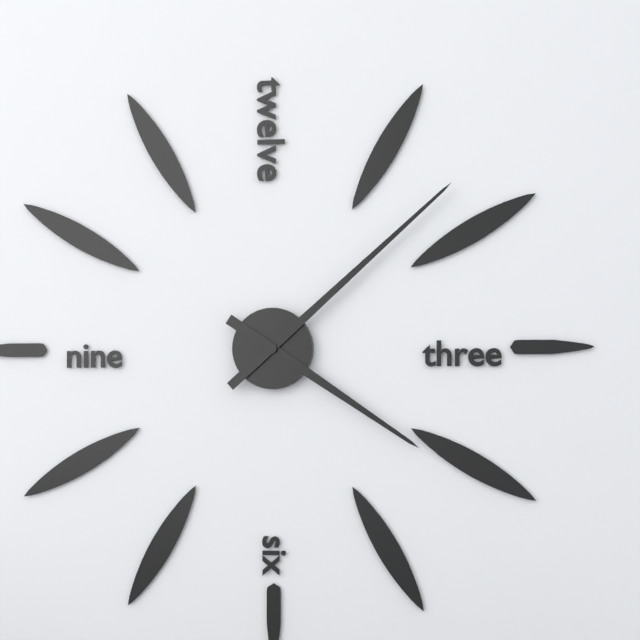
4:08
